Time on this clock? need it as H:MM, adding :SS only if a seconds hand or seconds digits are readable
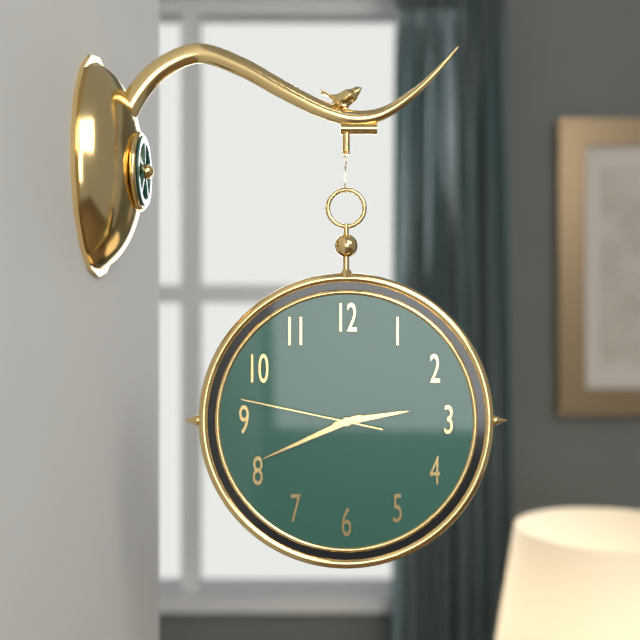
2:41:47
